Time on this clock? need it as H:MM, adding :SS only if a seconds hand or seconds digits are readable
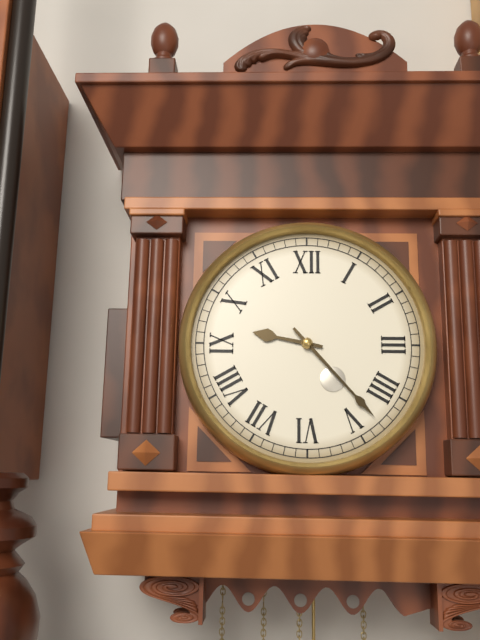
9:23
